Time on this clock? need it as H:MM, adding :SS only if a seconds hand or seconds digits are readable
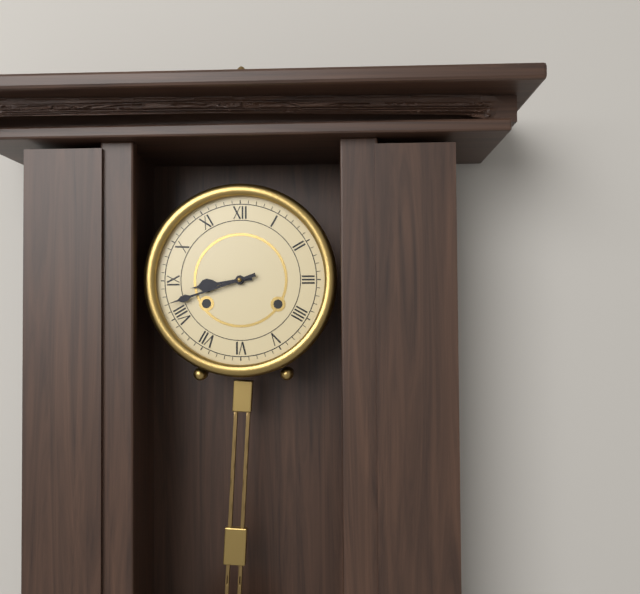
8:42
